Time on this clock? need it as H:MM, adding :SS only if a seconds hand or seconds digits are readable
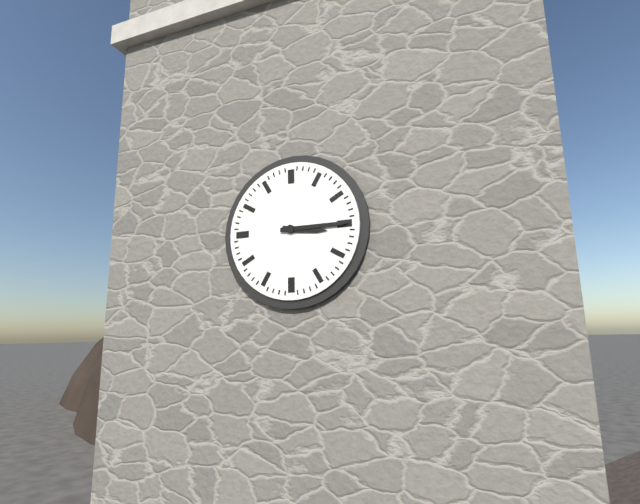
3:15
